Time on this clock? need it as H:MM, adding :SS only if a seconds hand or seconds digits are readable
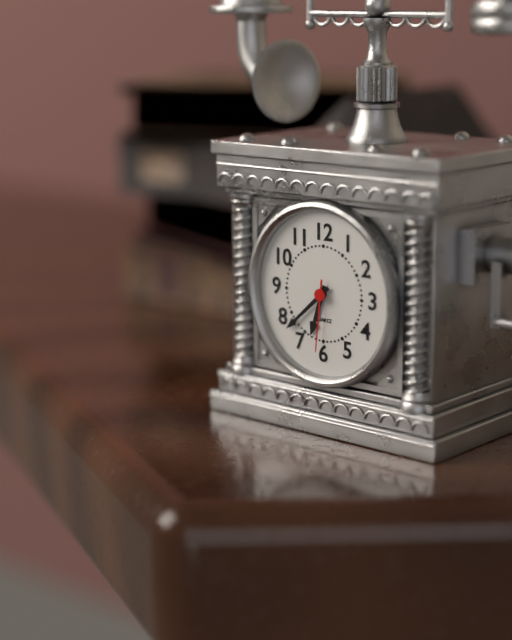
6:38:31
